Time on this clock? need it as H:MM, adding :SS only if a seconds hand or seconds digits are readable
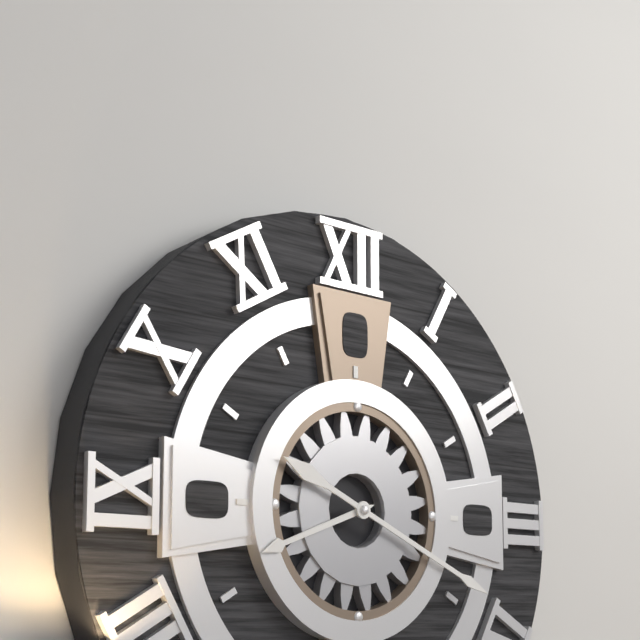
8:19
